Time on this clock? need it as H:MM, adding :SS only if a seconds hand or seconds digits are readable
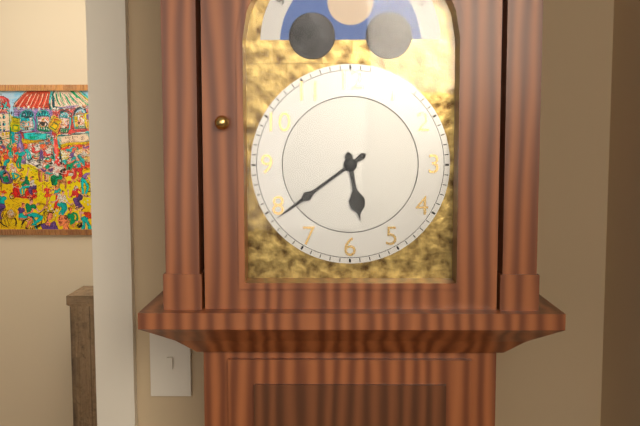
5:39
